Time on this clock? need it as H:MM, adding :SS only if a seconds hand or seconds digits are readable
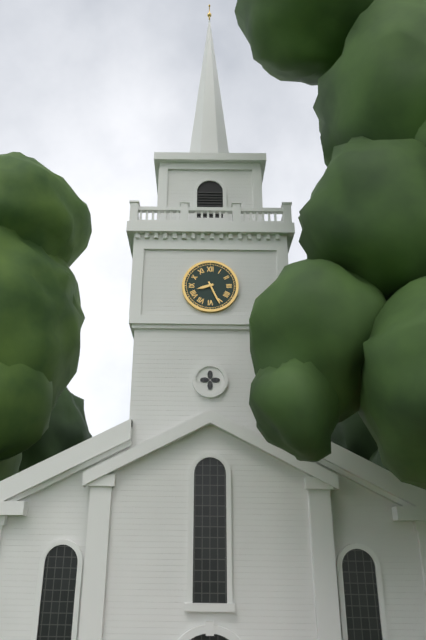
8:26
